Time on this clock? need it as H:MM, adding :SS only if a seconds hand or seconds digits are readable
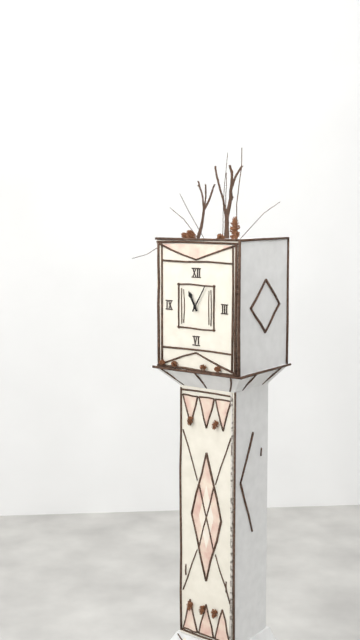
11:05
